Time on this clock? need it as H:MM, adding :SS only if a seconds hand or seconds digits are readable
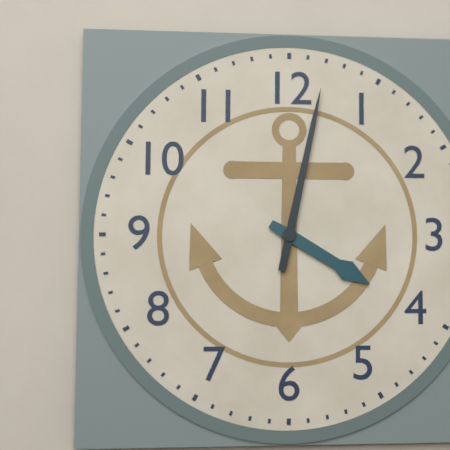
4:02
